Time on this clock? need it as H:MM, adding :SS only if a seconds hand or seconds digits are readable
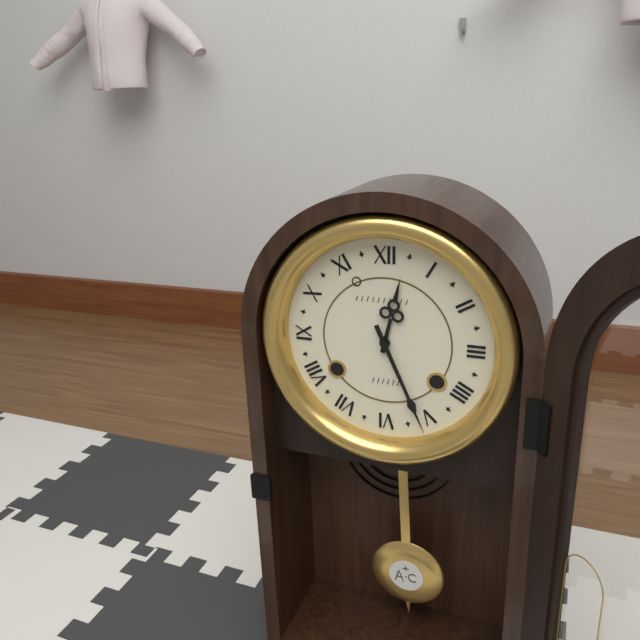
12:26
